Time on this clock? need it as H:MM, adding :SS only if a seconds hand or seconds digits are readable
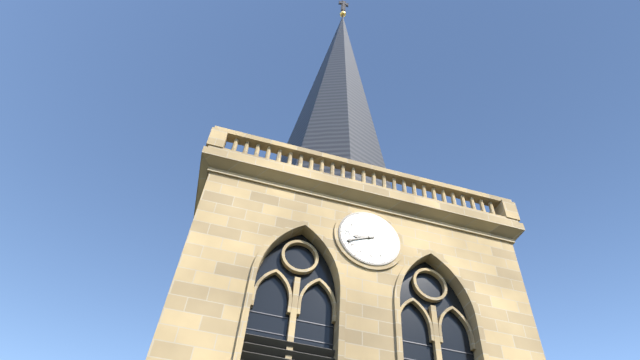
8:41
